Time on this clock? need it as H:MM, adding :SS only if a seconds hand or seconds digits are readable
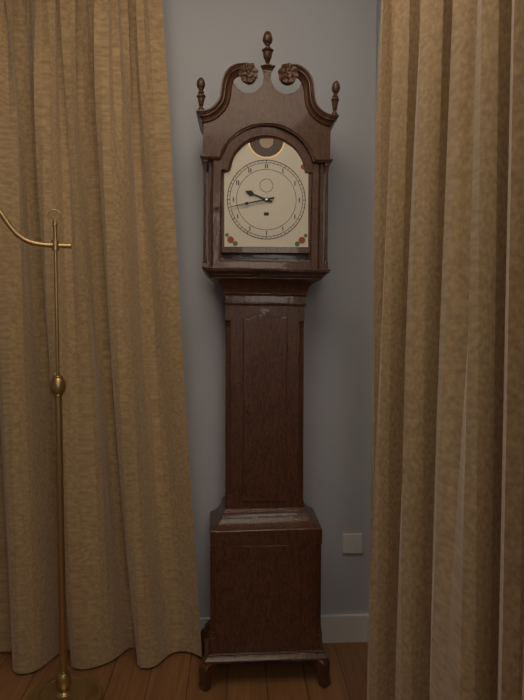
9:43
